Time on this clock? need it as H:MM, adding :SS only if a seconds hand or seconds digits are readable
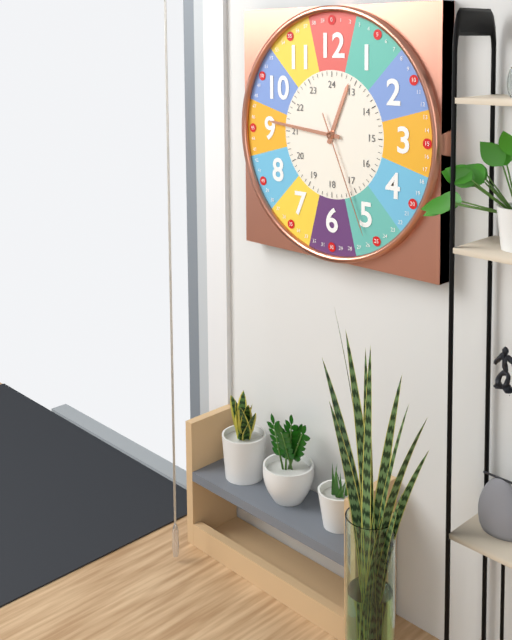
12:46:26
